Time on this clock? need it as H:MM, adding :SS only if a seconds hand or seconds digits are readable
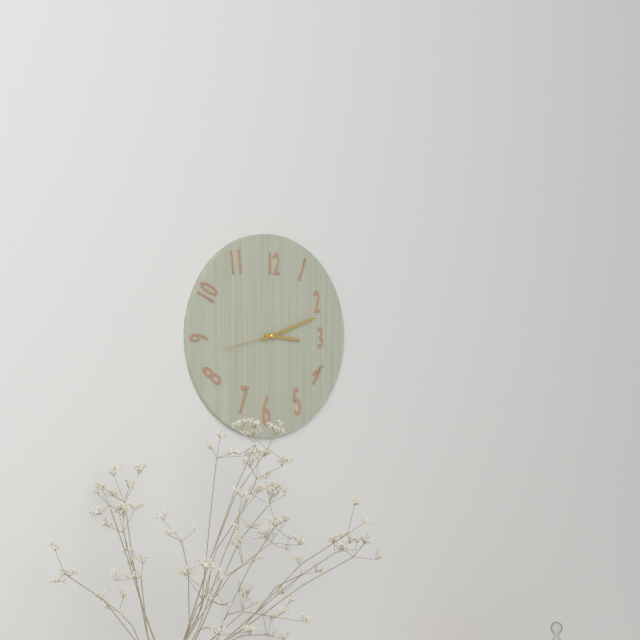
3:12:43
